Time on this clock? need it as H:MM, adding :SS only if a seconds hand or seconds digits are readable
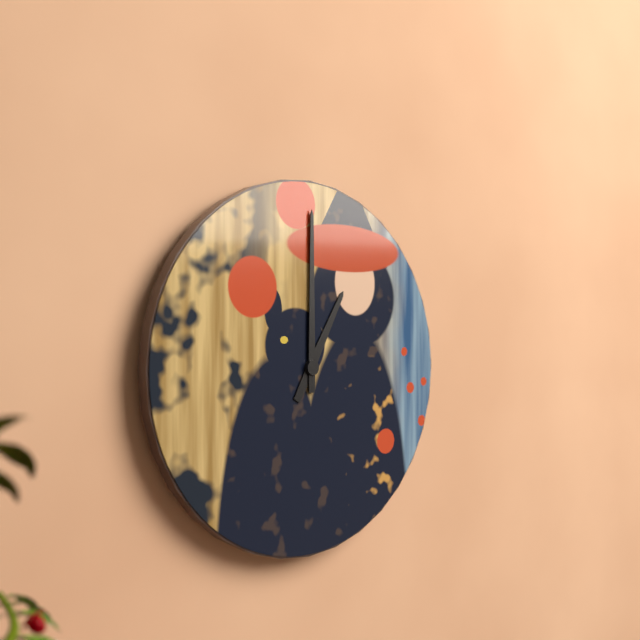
1:00
